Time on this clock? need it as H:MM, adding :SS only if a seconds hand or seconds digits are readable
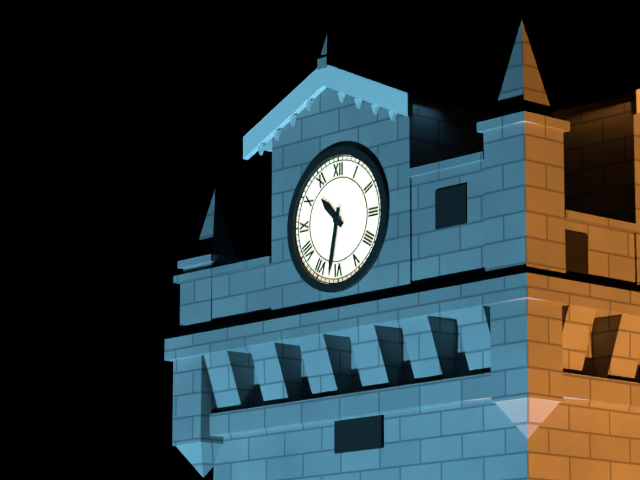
10:32
